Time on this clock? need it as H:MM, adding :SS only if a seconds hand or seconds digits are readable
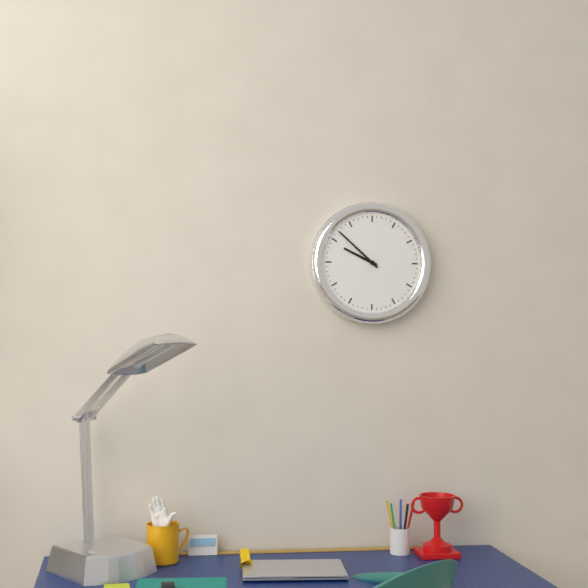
9:52
